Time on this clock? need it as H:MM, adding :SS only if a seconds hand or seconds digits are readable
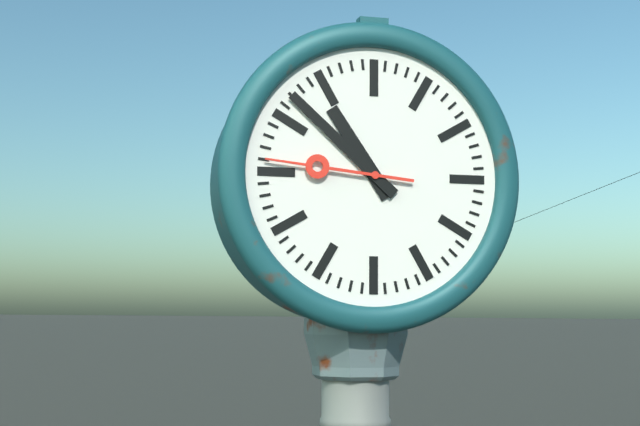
10:52:46
